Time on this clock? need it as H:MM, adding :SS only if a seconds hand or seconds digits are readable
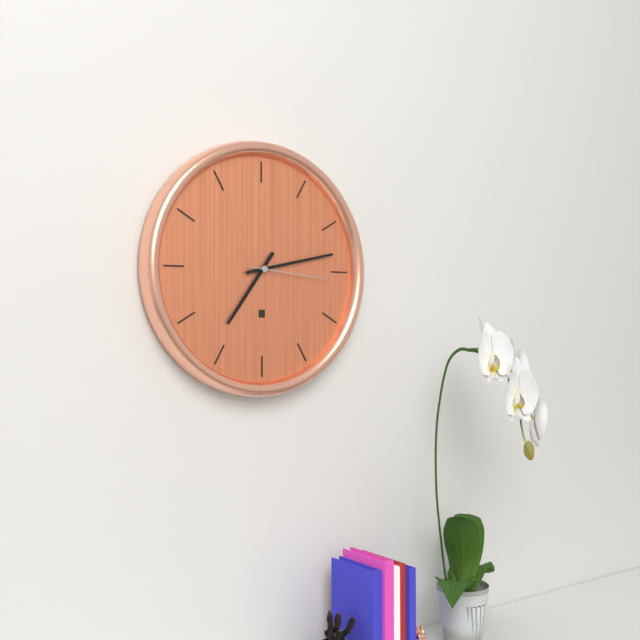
7:13:16
